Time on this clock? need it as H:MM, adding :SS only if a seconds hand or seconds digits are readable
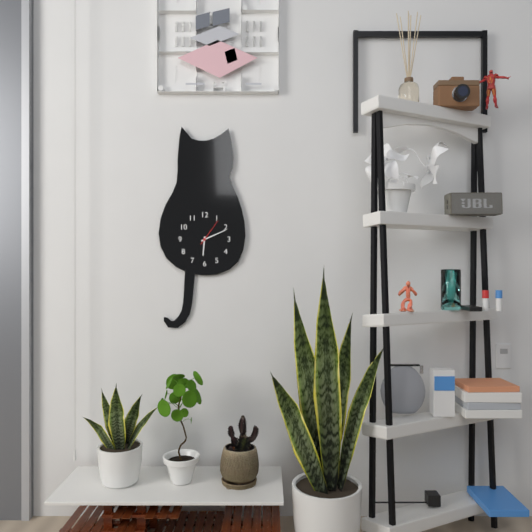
6:11
